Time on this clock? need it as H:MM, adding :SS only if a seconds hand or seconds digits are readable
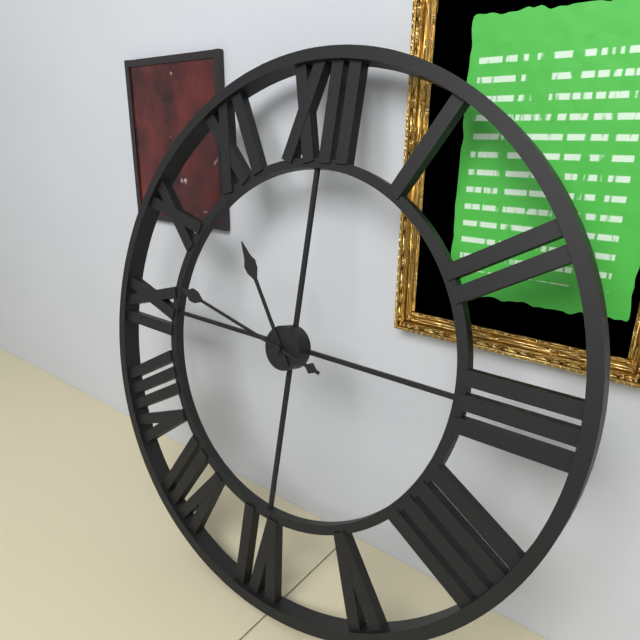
10:47
